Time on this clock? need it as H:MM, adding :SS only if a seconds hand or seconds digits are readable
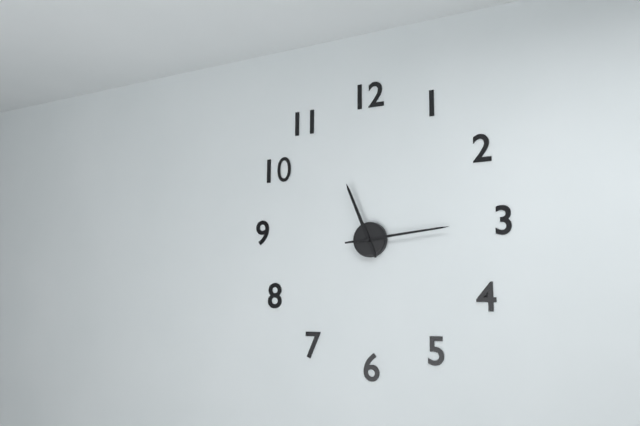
11:14
